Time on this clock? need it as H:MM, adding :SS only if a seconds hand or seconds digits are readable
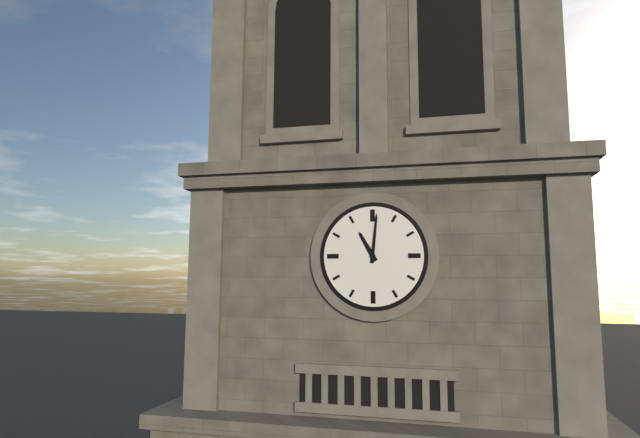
11:01
